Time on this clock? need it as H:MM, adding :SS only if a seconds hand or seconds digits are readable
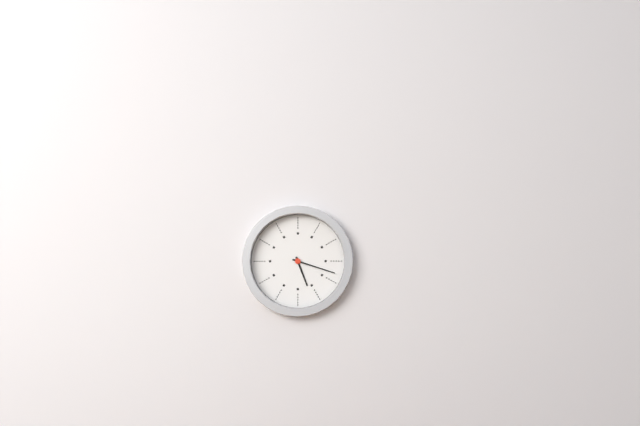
5:18
